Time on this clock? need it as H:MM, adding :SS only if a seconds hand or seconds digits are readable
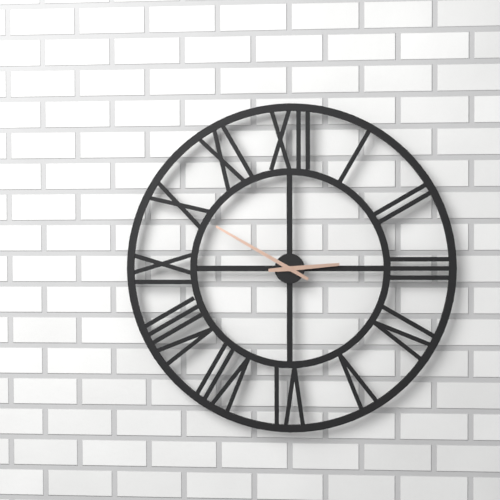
2:50
